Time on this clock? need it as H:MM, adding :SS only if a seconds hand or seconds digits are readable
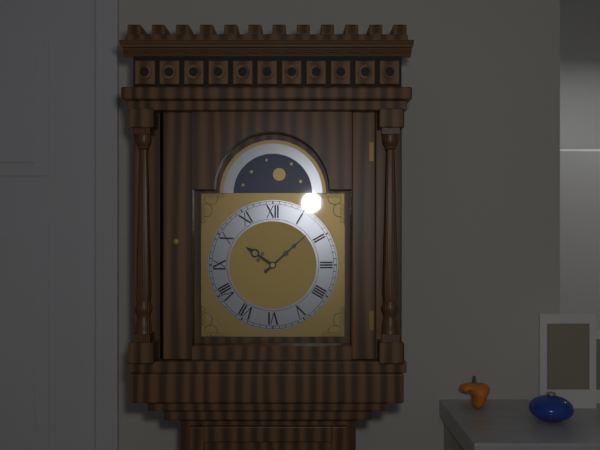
10:08
